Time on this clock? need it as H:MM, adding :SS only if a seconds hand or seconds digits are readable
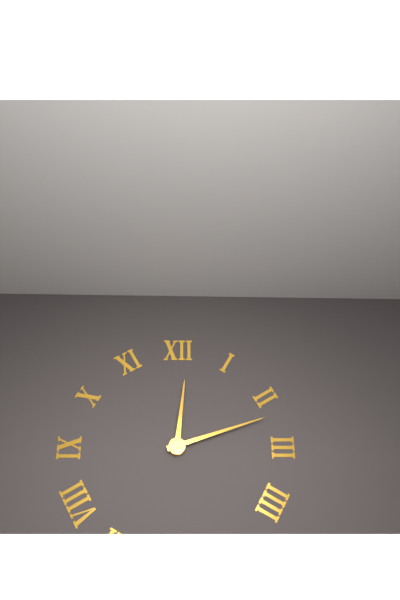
12:12
